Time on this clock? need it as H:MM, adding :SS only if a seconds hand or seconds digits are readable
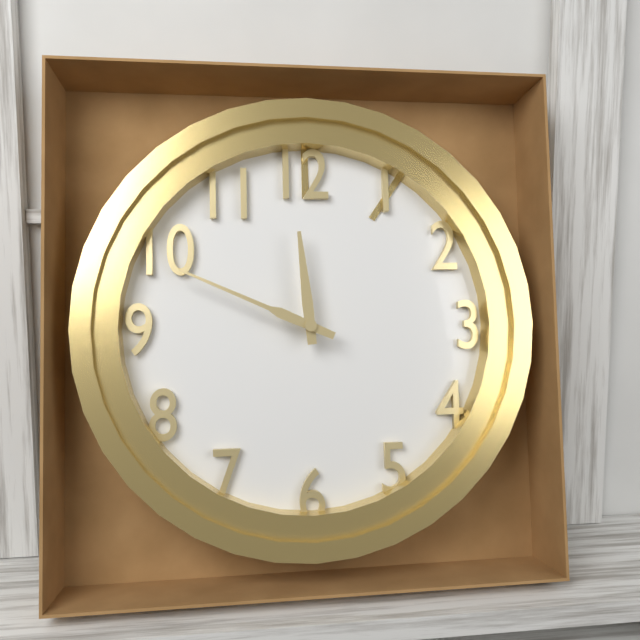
11:49
